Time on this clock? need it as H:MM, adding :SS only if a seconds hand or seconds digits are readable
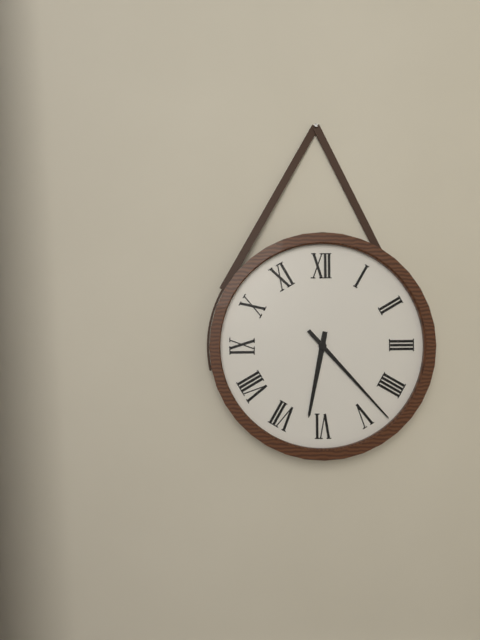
6:23
